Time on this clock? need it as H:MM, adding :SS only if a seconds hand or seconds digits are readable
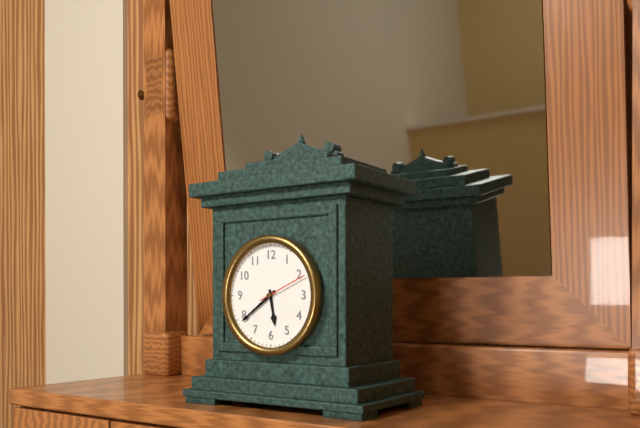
5:39:11
